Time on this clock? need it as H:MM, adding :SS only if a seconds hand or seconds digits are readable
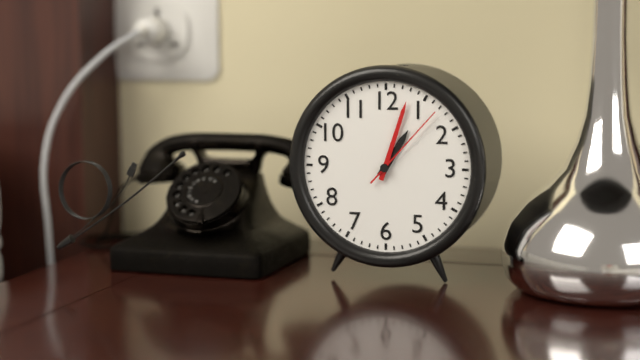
1:03:07
